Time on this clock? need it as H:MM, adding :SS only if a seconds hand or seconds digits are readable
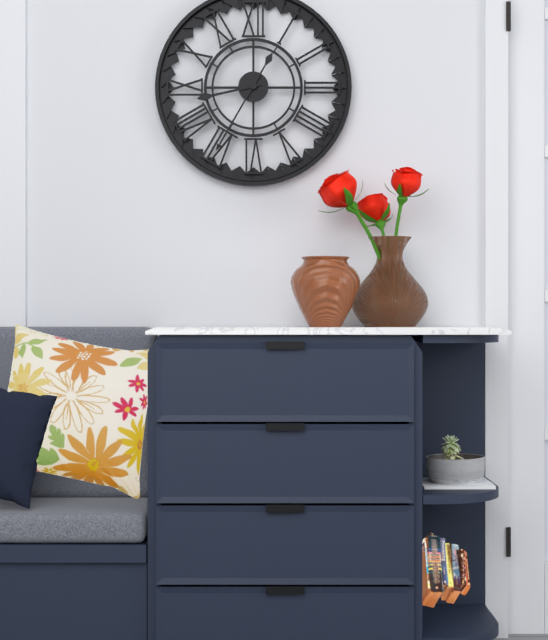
8:35
